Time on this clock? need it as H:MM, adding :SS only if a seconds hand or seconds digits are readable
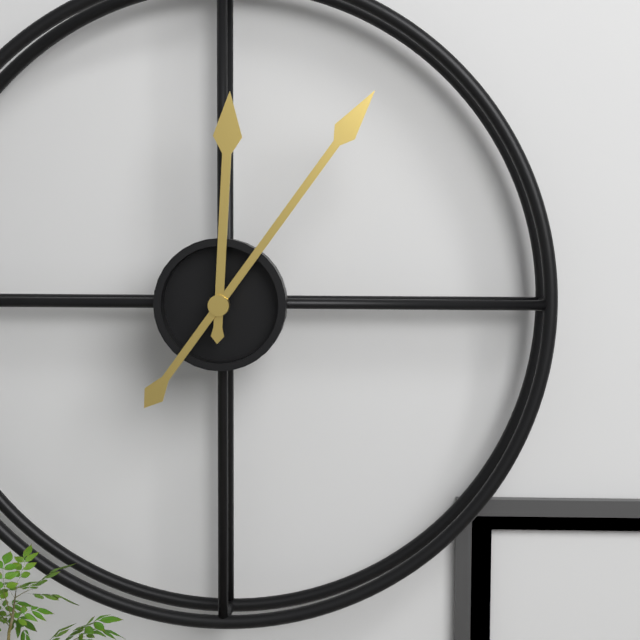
12:06
